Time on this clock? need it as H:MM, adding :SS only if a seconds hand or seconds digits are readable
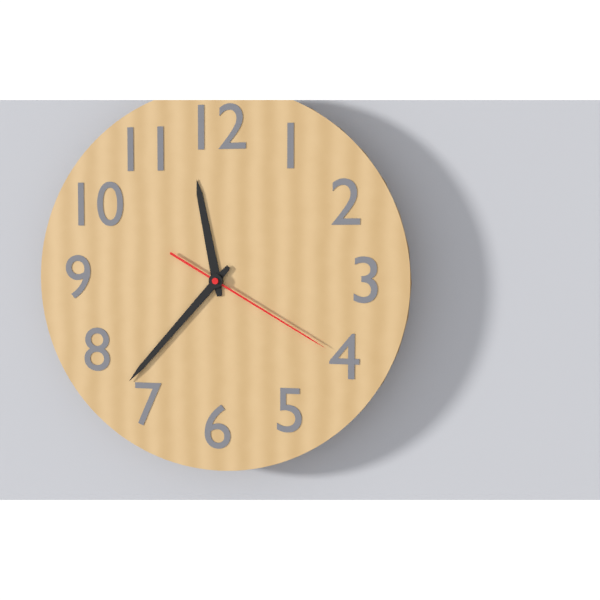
11:37:20
